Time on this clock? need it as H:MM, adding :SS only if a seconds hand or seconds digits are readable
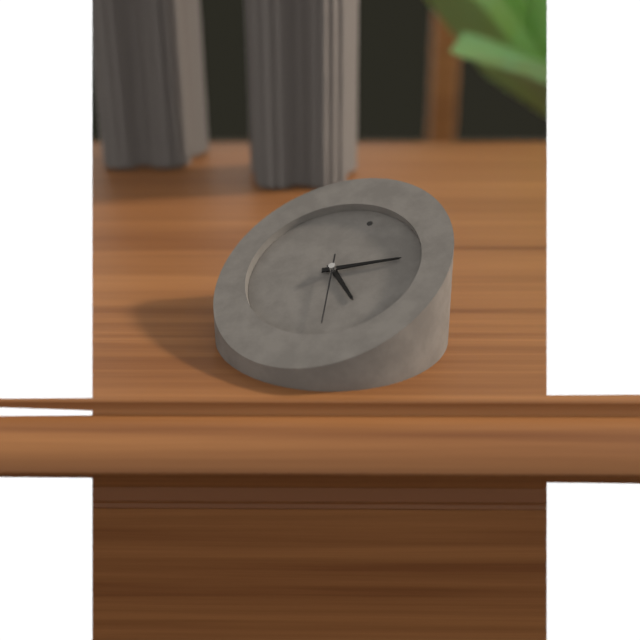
4:10:26
